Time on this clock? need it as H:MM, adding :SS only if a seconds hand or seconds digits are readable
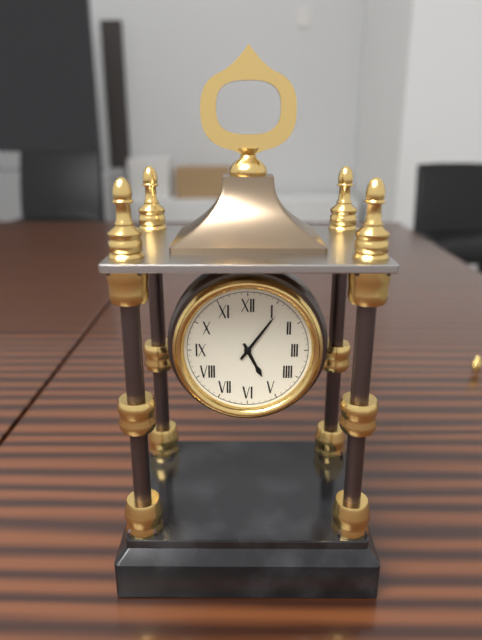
5:06
